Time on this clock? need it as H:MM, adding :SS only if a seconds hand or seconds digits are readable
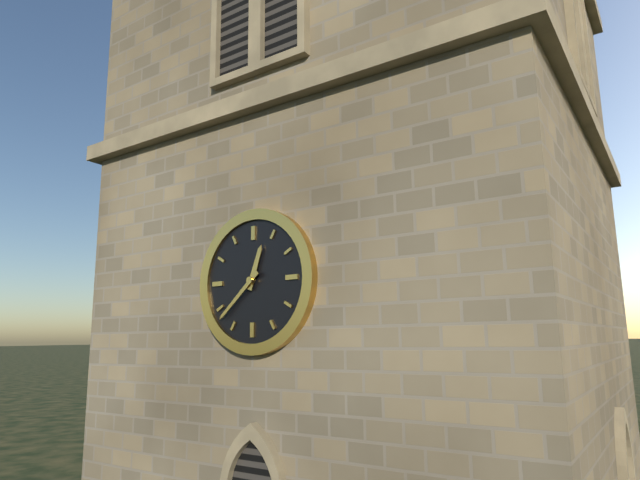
12:38
